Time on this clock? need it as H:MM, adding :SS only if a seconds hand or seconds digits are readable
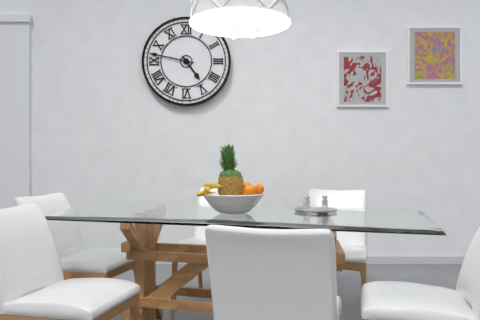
4:47
